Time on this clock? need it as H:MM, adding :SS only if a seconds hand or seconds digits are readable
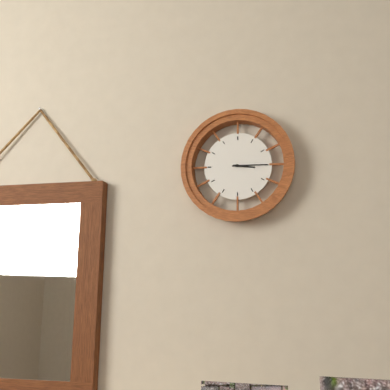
3:15
